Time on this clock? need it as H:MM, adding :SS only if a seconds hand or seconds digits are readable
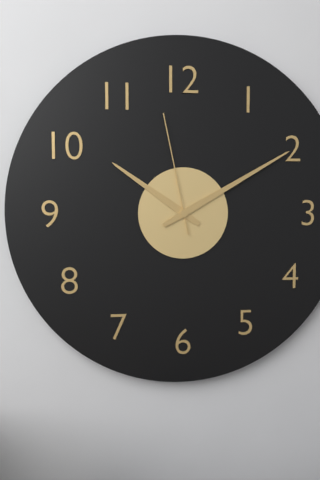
10:10:58
